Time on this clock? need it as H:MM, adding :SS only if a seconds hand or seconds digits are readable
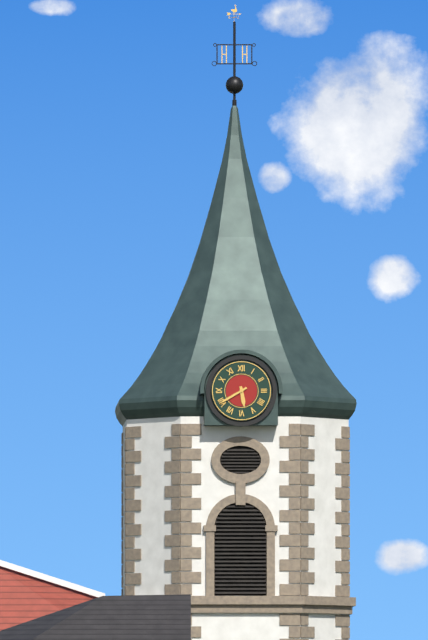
5:40
